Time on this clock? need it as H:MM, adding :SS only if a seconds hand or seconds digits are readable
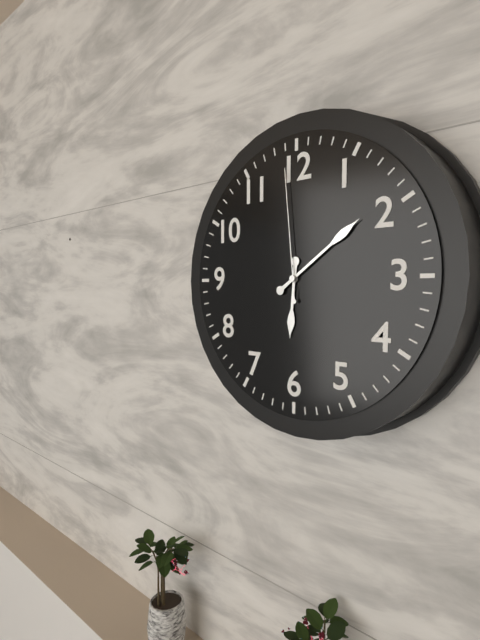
6:09:59
